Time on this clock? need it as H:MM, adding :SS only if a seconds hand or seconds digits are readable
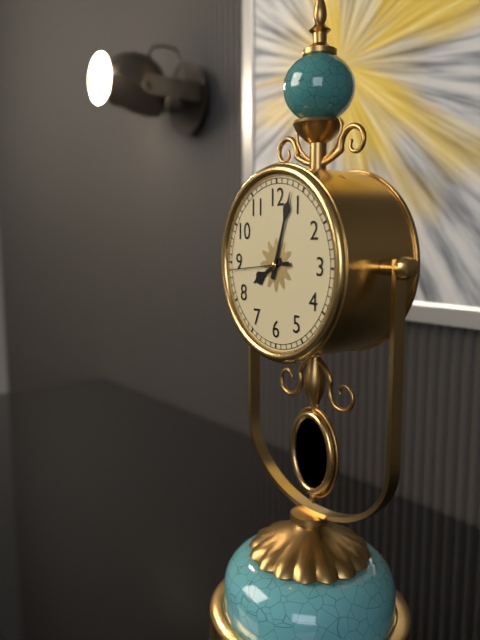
8:03:44
